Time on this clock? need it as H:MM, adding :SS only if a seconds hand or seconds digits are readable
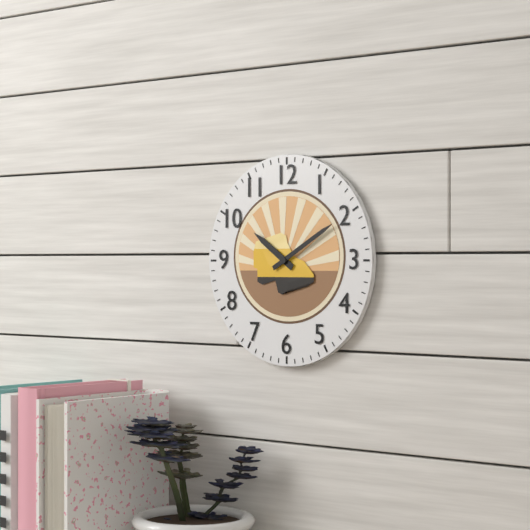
10:10
